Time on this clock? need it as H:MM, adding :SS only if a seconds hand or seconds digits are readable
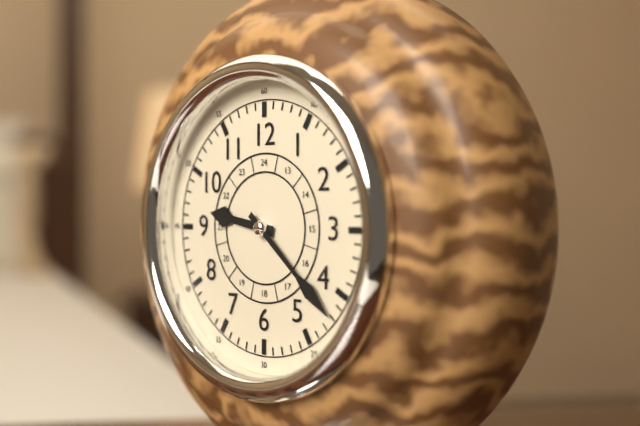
9:22
